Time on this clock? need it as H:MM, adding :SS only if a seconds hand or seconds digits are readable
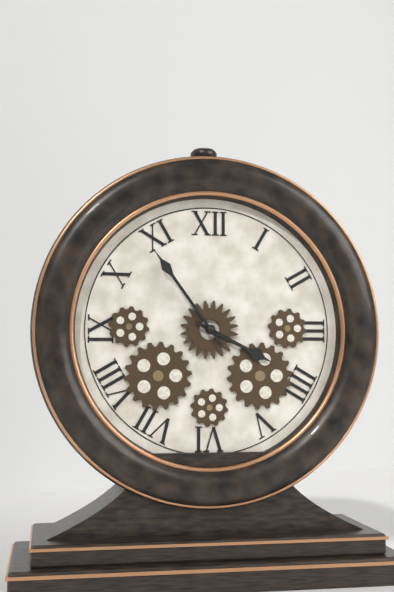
3:54
